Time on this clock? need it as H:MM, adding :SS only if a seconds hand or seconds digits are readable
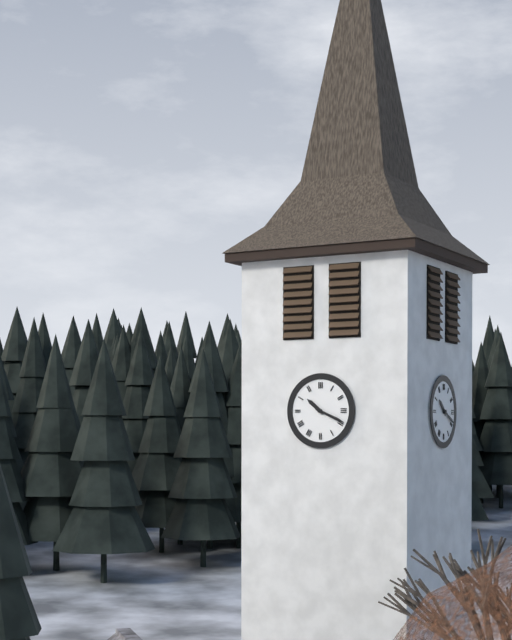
10:19
